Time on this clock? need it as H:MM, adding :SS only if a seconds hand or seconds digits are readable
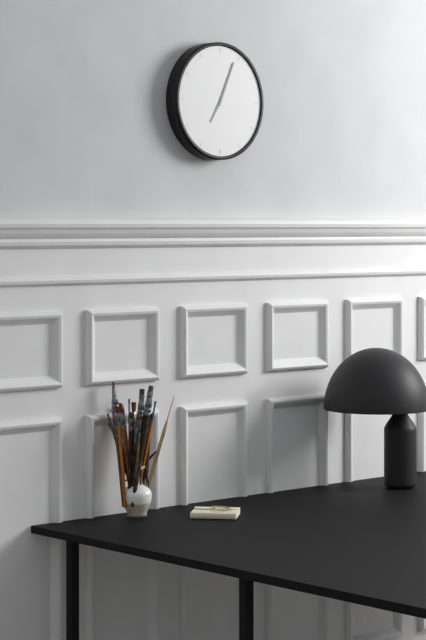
7:04
